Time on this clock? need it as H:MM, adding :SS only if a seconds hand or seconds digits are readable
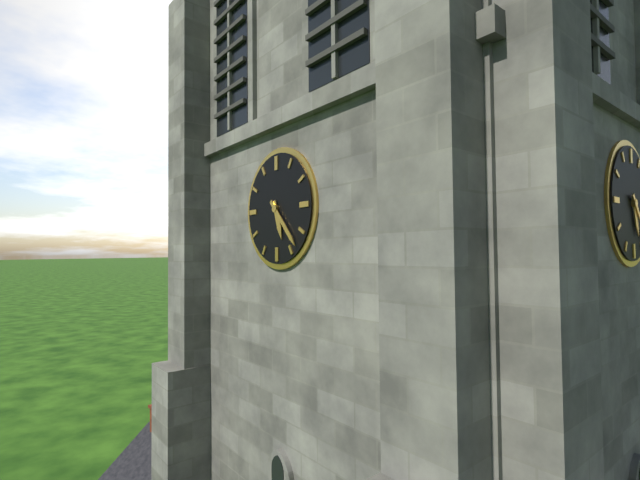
5:23
